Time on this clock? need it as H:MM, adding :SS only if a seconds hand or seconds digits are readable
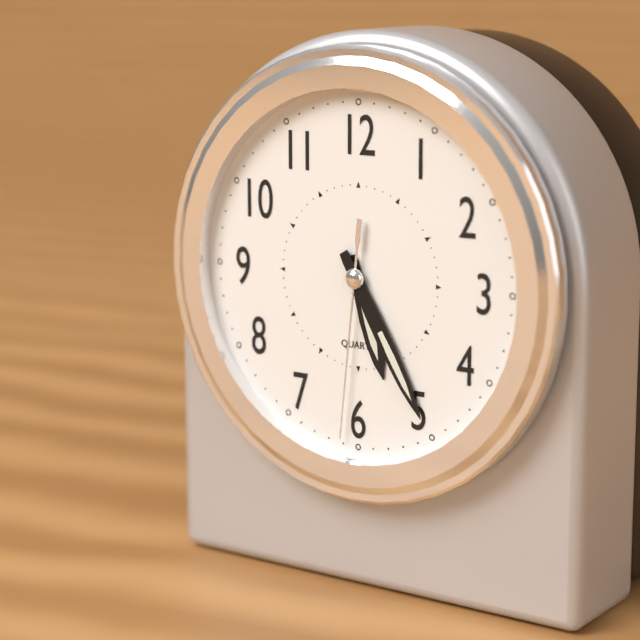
5:25:31
